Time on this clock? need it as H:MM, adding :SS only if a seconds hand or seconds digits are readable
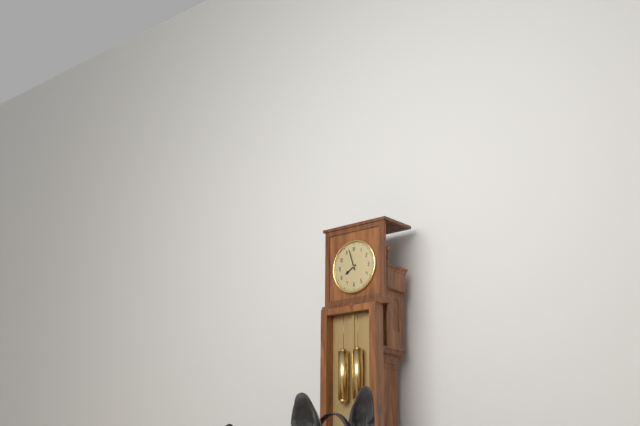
7:57
